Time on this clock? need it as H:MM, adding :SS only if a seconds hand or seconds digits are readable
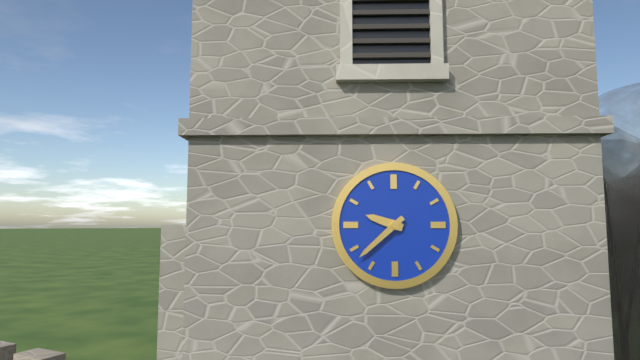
9:38
